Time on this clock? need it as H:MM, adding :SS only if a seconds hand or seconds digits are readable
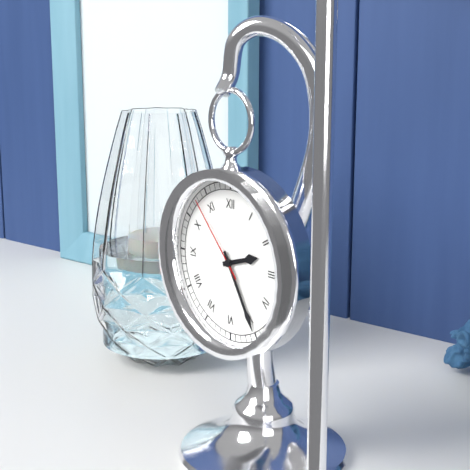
2:25:53
